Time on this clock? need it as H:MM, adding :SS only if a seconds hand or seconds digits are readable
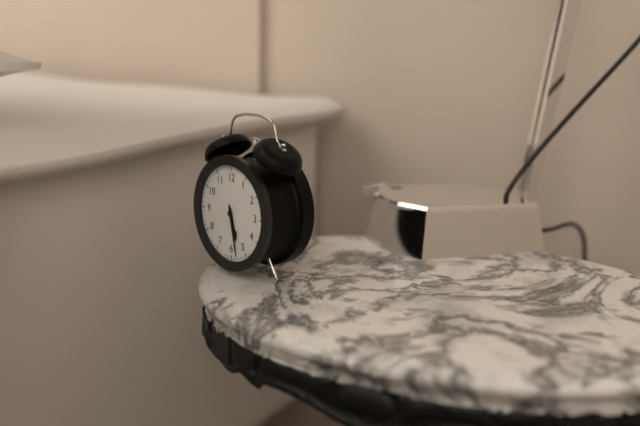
5:28
